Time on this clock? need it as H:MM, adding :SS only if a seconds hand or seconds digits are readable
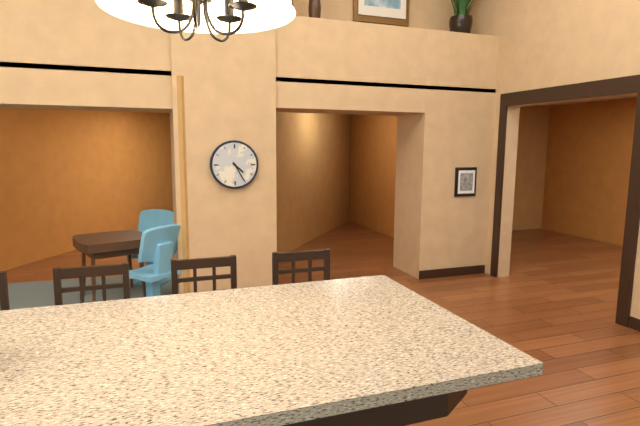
4:25
